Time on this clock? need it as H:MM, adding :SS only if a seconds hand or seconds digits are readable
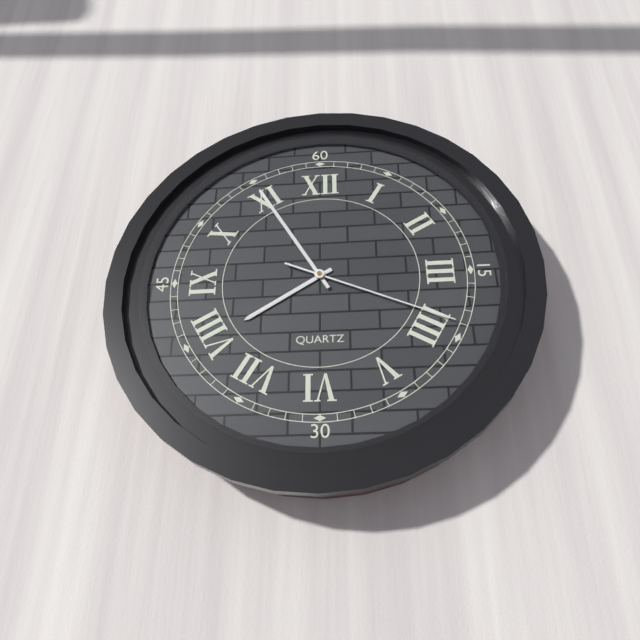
7:55:19
